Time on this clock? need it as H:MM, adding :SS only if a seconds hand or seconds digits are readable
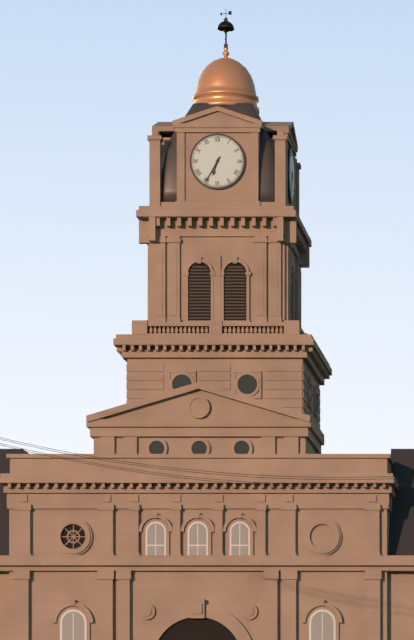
6:35
